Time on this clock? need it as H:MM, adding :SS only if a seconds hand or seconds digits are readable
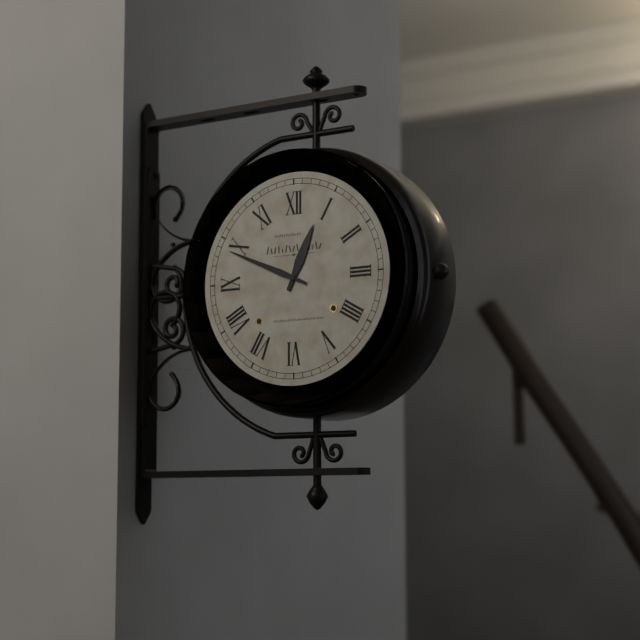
12:49
